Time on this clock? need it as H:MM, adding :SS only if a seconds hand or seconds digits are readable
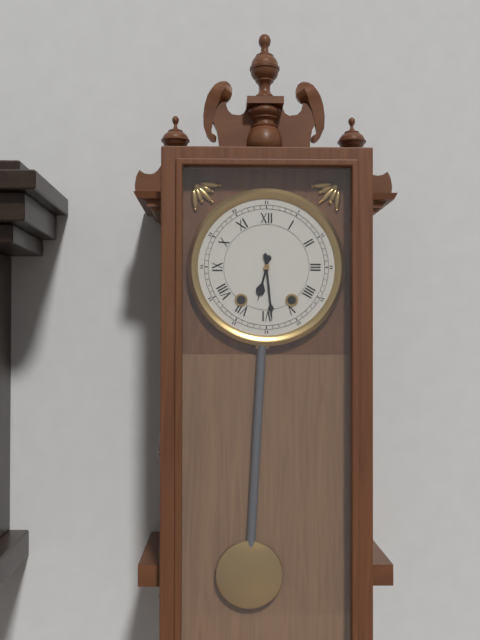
6:29
